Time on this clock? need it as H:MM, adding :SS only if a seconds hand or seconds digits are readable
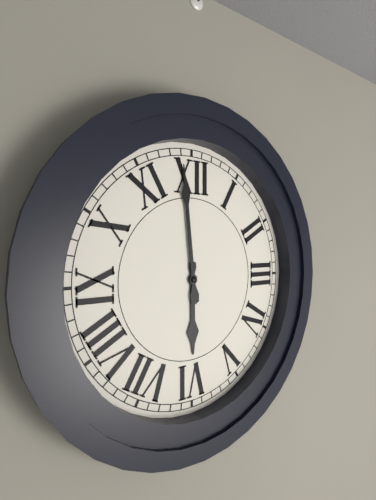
5:59
